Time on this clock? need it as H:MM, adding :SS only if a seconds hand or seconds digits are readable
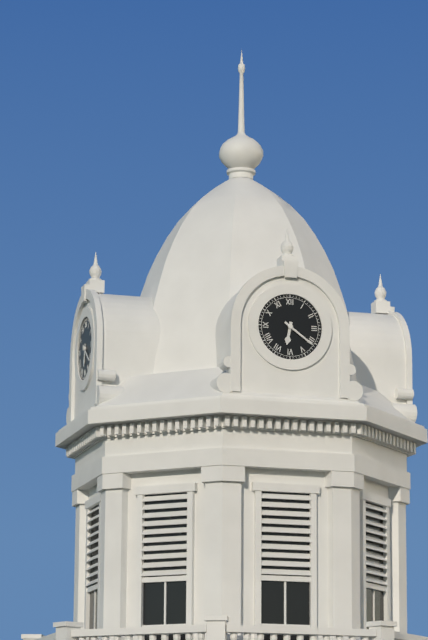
6:21
